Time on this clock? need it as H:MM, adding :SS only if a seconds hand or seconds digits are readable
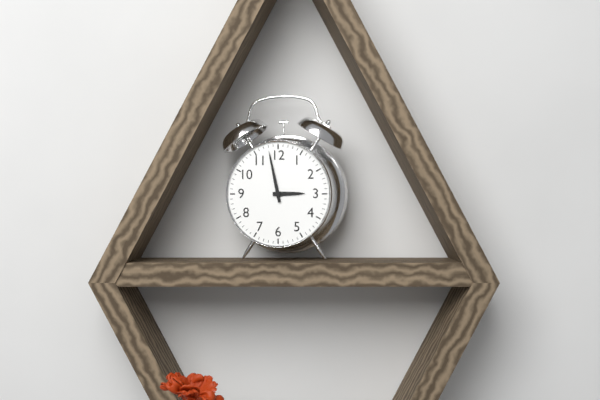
2:58
